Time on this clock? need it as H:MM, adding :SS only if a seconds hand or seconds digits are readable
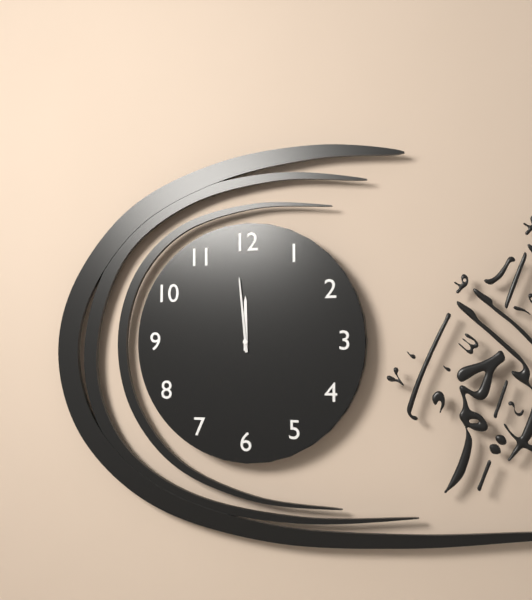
11:59
